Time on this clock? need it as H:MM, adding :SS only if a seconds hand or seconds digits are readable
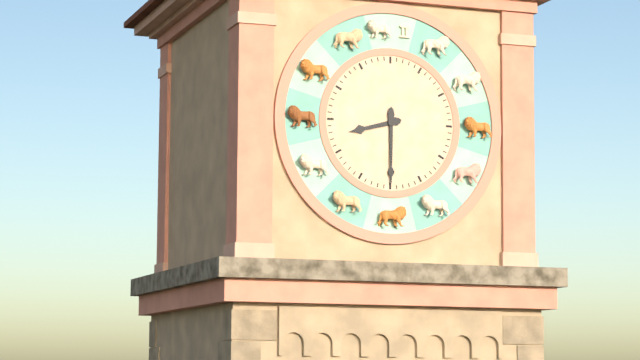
8:30
